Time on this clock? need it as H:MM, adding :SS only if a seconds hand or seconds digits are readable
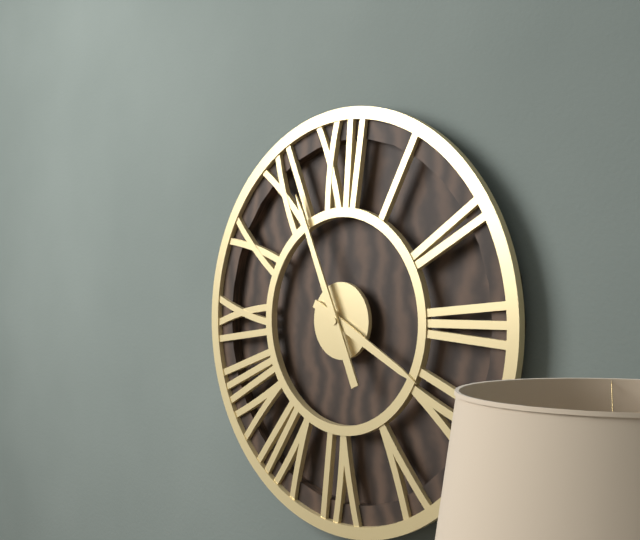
3:56
